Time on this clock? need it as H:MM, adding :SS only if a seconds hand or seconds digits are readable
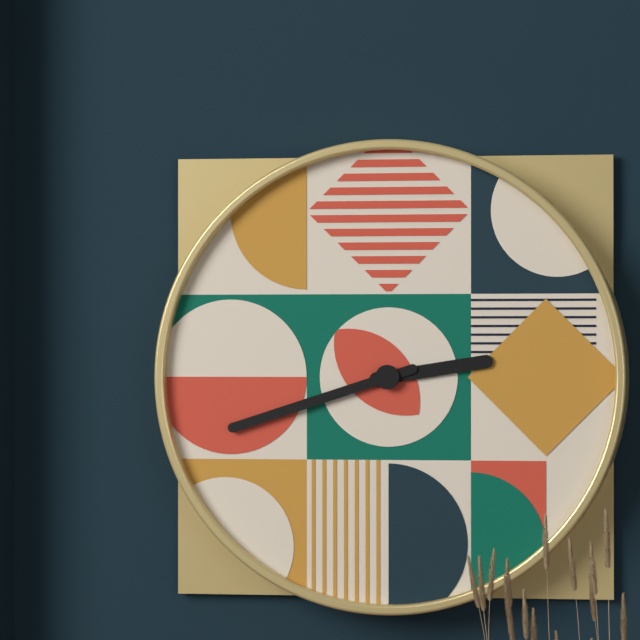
2:42
